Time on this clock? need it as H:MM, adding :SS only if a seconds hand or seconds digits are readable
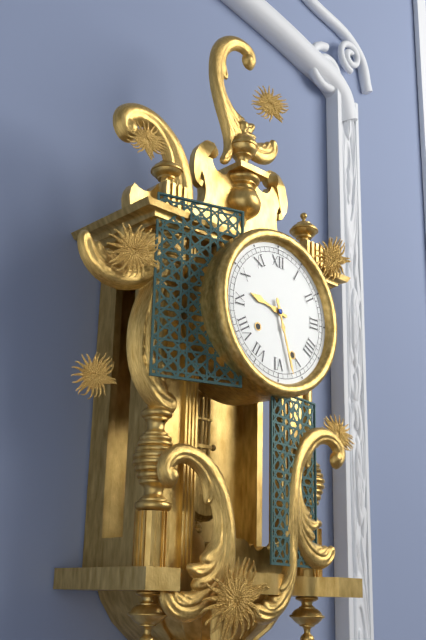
9:27
